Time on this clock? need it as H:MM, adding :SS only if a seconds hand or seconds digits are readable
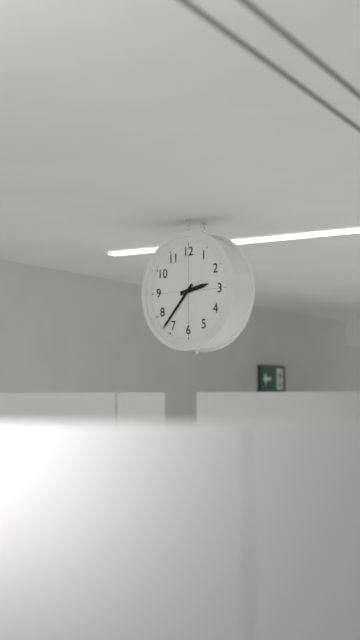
2:37
